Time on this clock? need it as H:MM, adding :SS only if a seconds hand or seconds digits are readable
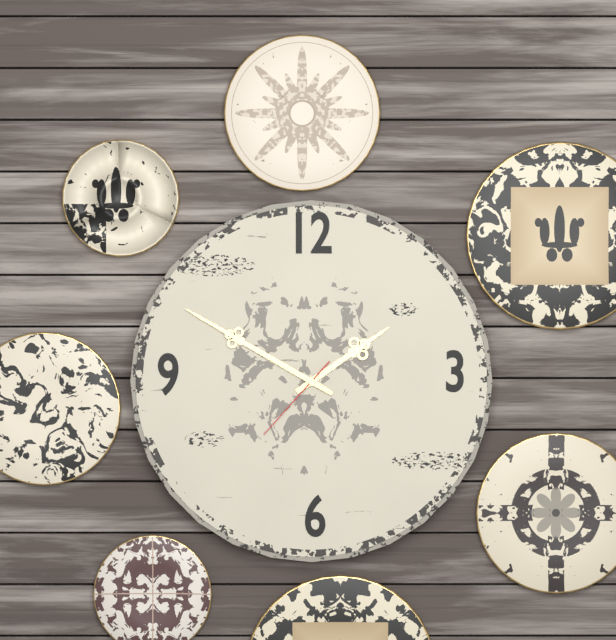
1:50:37
